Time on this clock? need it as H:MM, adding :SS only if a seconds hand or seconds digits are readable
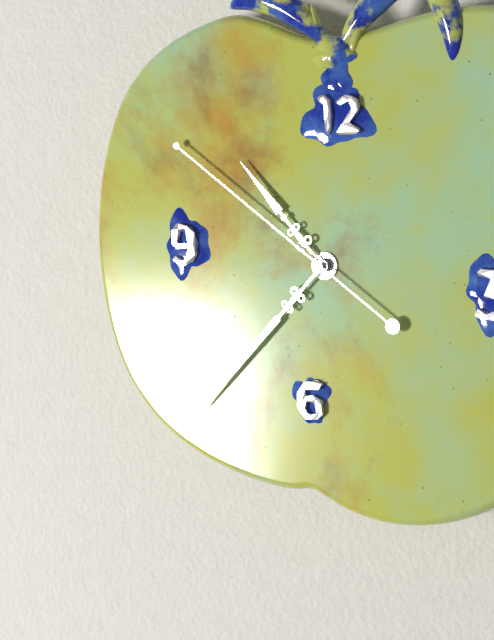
10:37:51
